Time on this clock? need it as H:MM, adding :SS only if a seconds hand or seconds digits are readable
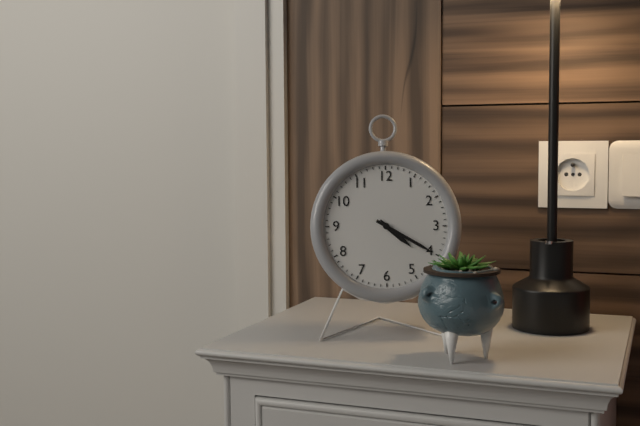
4:20
